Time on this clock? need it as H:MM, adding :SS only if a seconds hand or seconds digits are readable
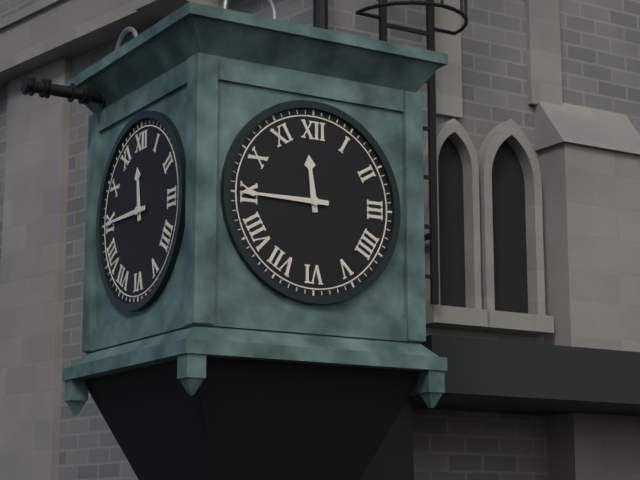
11:45
